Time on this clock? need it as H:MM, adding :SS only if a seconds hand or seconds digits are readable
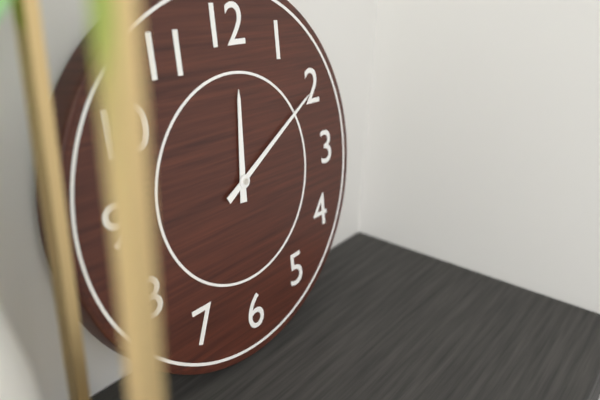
12:10
